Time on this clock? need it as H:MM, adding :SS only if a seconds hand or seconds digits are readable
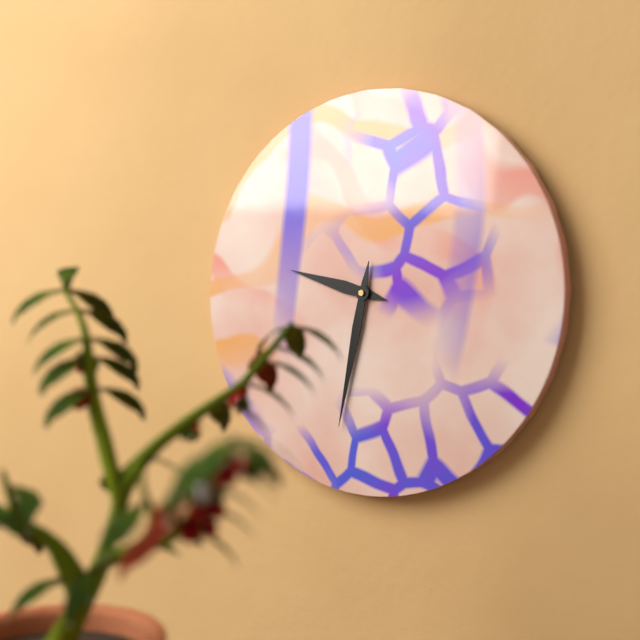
9:32
